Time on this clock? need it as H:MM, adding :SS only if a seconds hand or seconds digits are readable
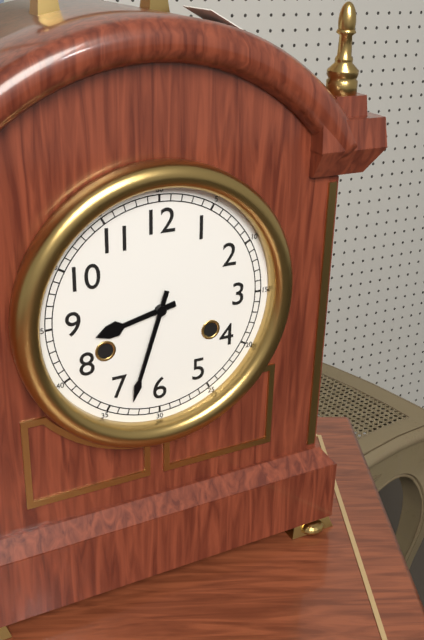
8:33
